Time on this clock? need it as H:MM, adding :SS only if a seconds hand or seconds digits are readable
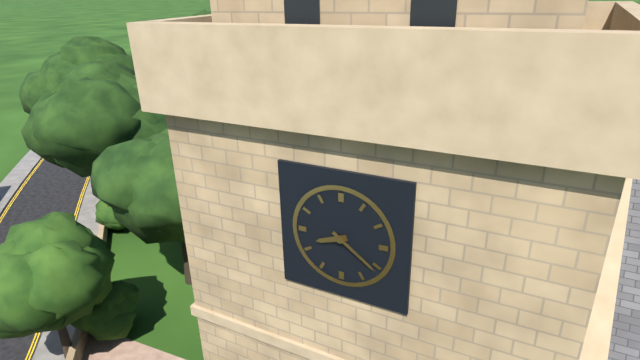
8:21
